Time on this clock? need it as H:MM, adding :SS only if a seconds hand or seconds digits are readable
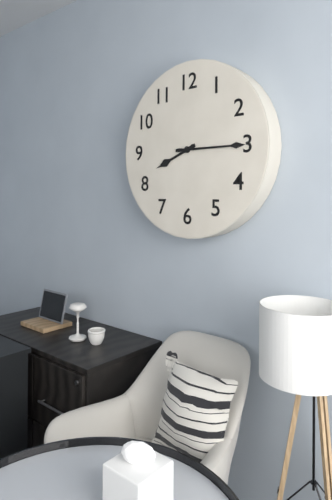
8:15
